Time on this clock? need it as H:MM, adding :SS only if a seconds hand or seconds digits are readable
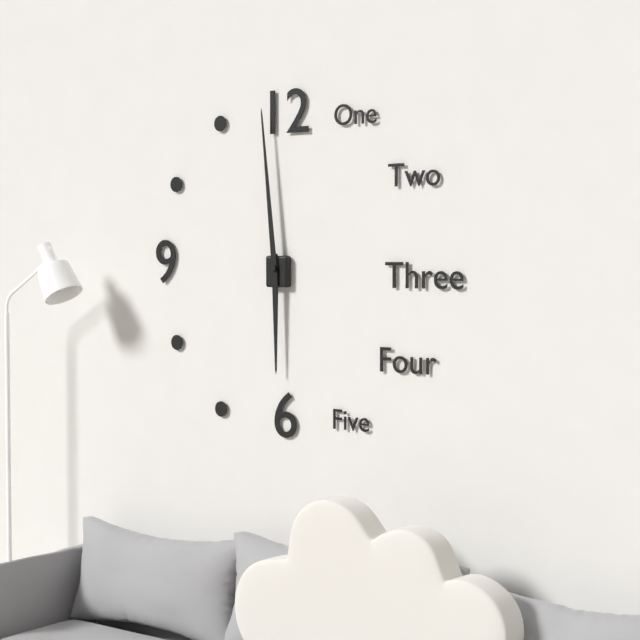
5:59
